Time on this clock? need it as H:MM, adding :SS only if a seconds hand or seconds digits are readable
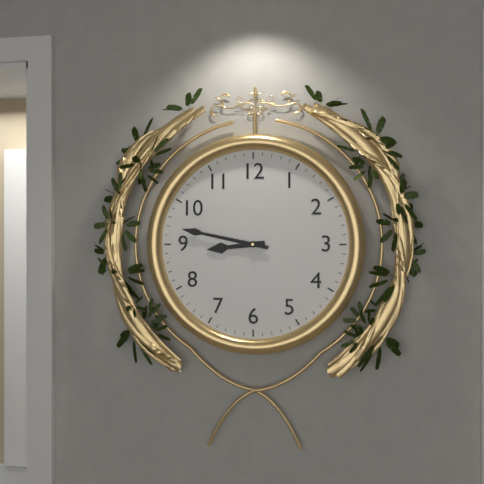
8:47
